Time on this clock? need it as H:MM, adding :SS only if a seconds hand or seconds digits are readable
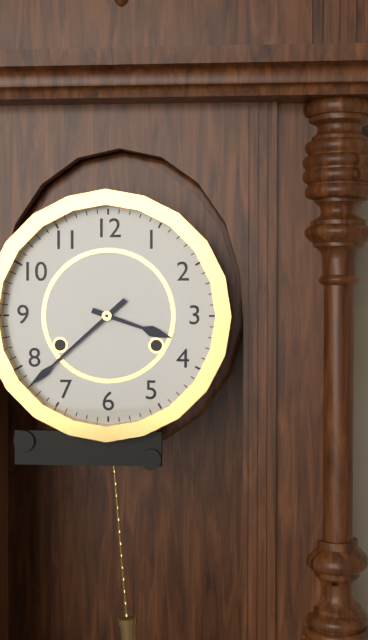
3:38
